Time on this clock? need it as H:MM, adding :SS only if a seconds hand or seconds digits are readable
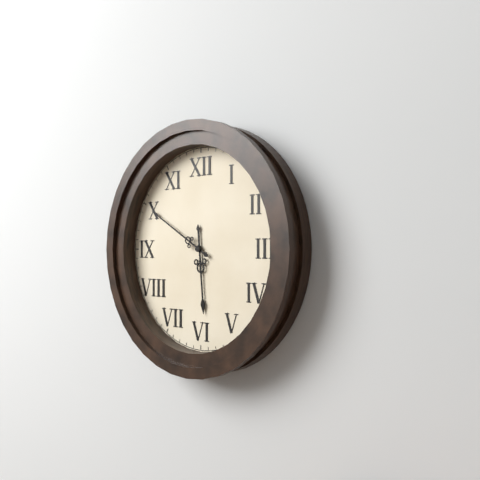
5:50
